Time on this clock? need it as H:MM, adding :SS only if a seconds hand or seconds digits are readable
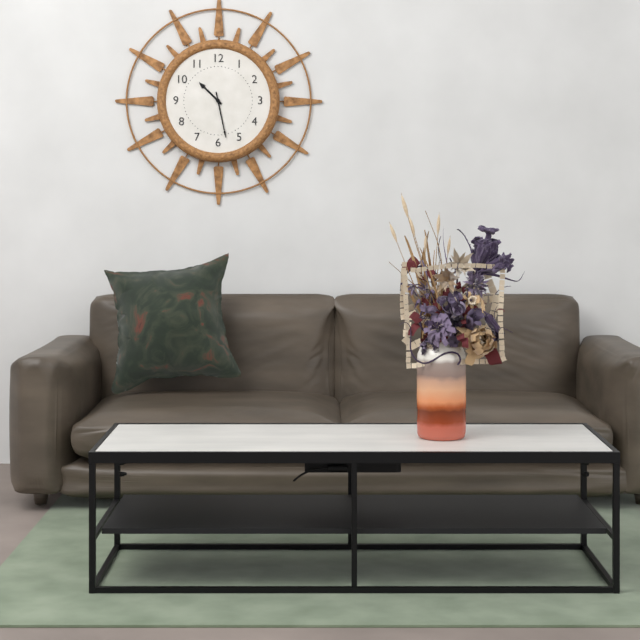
10:28
